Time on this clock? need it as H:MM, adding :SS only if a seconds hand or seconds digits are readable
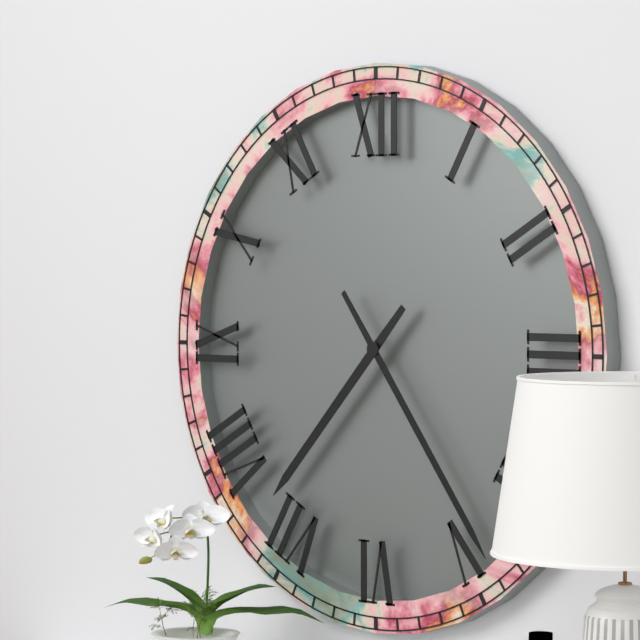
7:24
